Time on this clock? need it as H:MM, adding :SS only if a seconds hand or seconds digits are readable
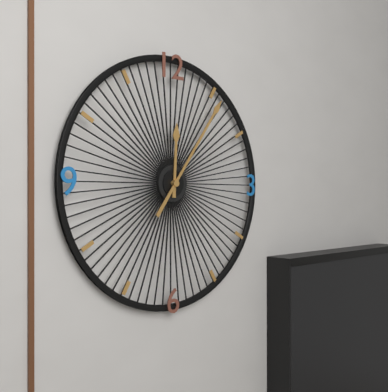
12:06
